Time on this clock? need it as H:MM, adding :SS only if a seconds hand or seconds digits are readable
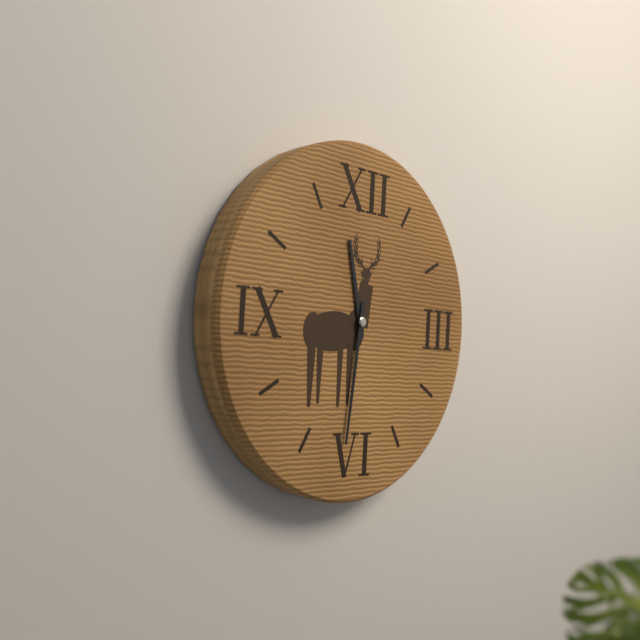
11:31
